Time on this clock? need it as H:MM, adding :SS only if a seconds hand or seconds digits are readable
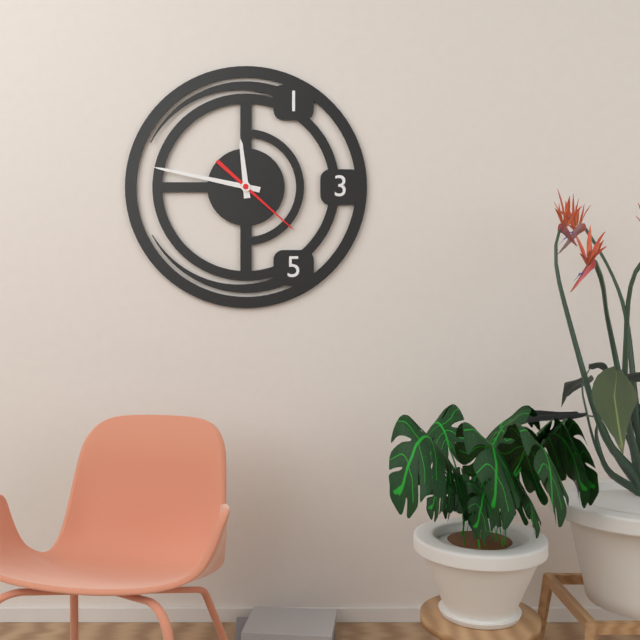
11:47:22
